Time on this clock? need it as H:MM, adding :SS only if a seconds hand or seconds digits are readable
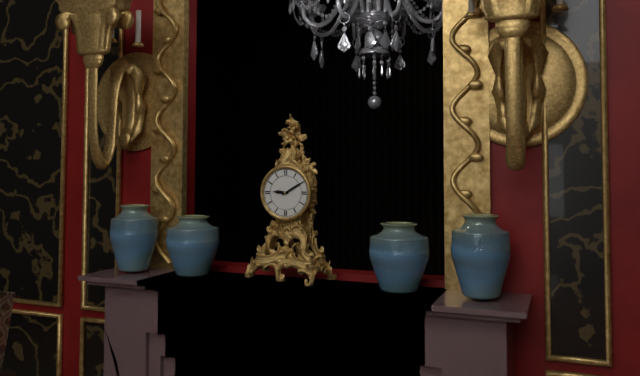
9:10
